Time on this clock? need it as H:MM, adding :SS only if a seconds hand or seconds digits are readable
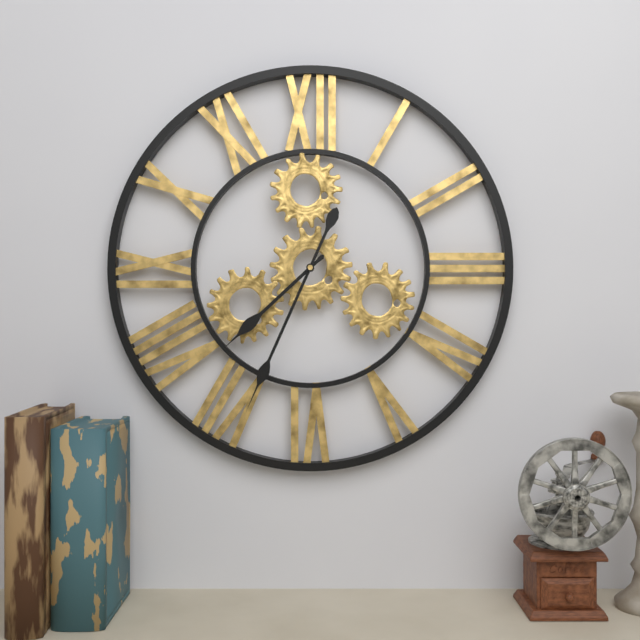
7:34
